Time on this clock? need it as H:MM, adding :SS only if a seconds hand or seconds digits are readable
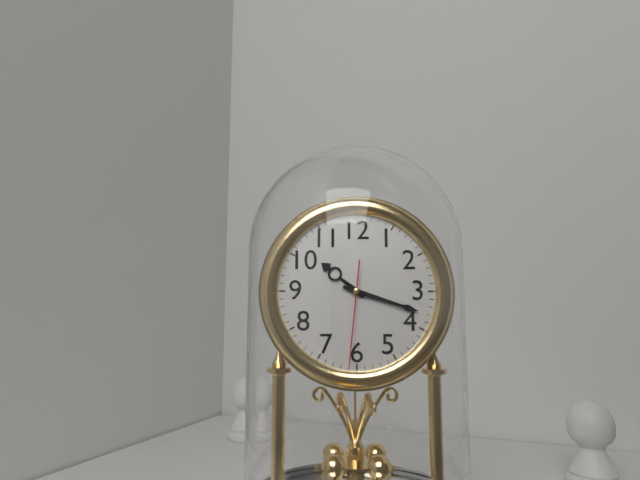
10:18:31
